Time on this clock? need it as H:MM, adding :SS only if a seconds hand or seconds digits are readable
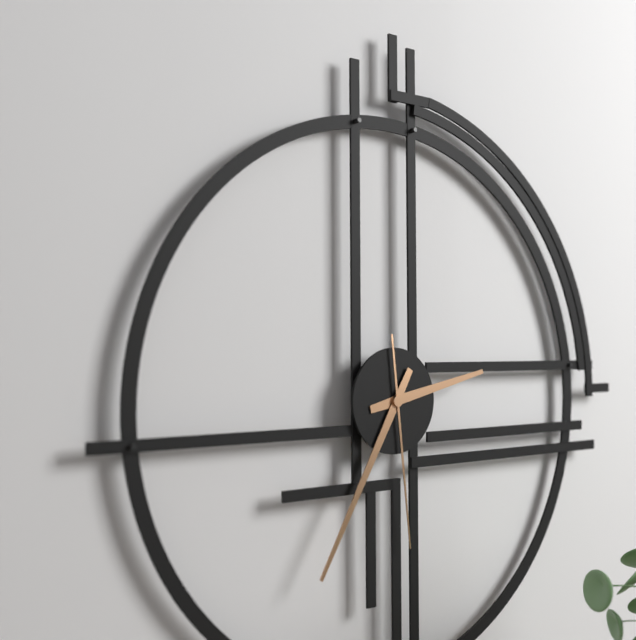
2:35:29
